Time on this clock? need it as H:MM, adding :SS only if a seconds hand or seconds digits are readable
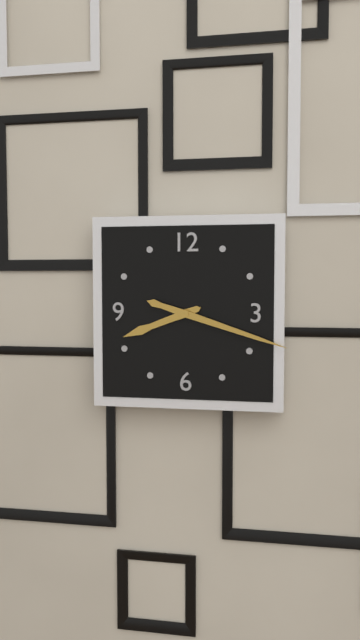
8:18
